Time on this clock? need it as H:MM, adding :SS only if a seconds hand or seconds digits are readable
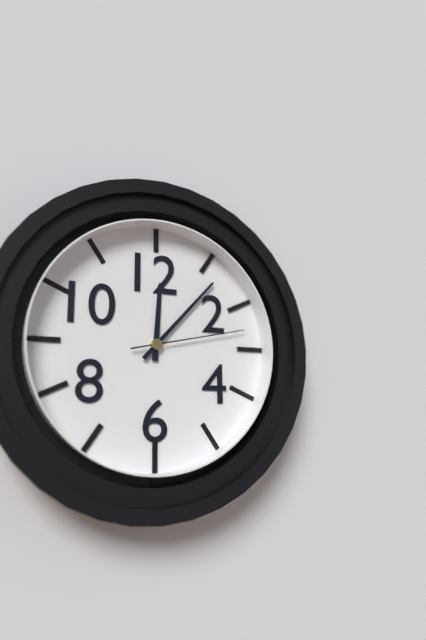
12:07:13
